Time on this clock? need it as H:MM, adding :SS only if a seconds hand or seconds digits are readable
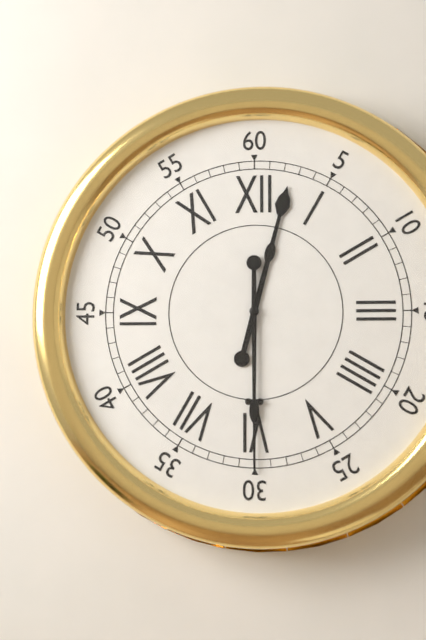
12:30
